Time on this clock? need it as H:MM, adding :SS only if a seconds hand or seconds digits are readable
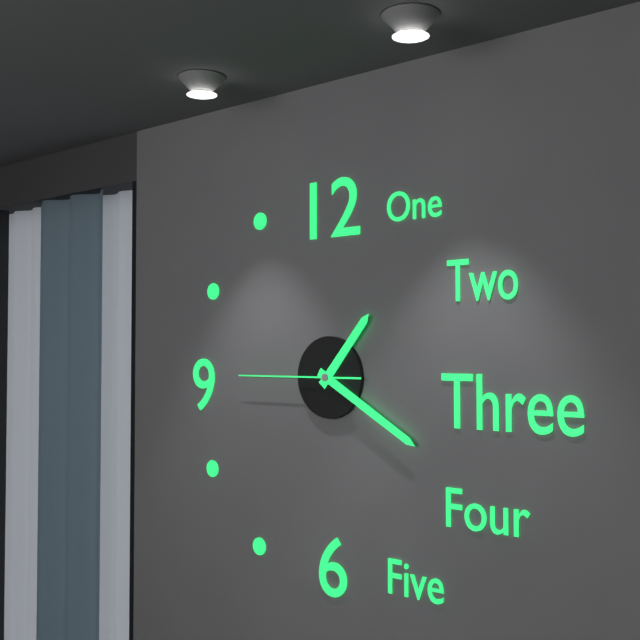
1:20:45
